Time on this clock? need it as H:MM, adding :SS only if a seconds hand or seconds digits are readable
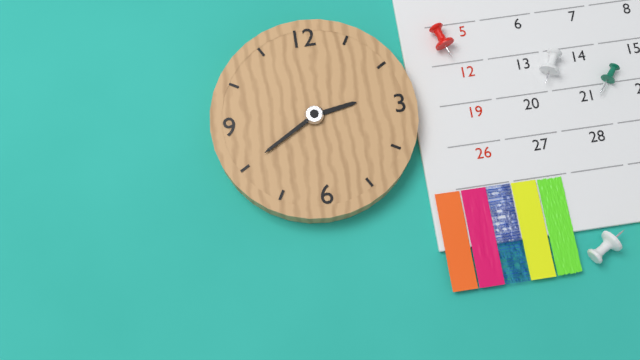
2:40
